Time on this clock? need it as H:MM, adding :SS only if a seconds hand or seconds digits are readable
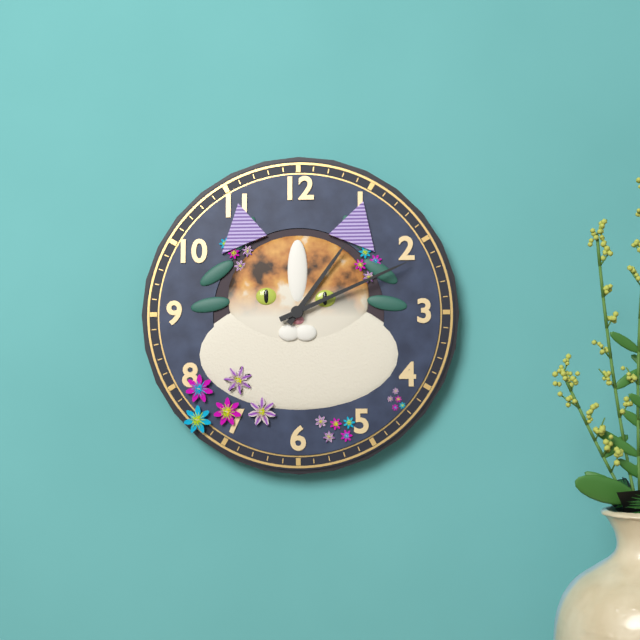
1:11
